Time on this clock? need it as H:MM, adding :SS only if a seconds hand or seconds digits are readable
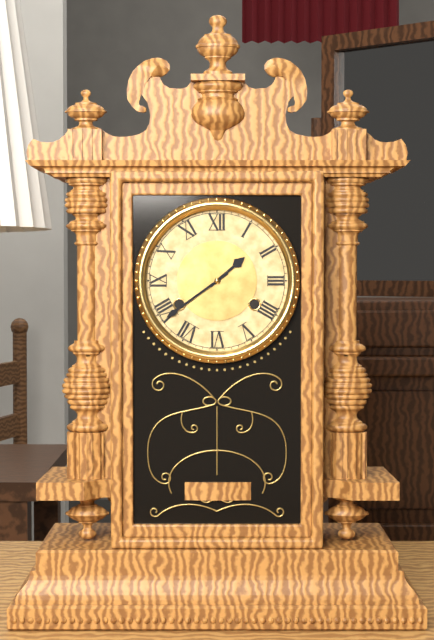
1:39
